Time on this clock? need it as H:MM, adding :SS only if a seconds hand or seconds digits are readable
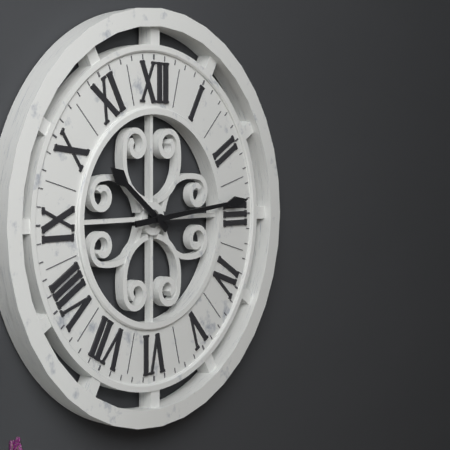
10:14
